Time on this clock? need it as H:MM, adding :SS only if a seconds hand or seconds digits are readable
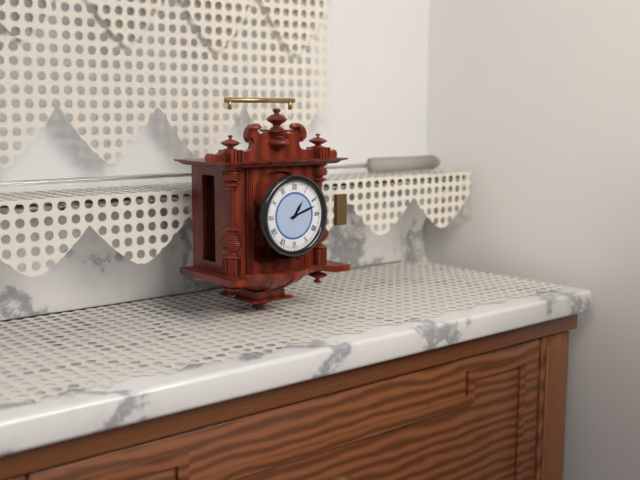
1:12
